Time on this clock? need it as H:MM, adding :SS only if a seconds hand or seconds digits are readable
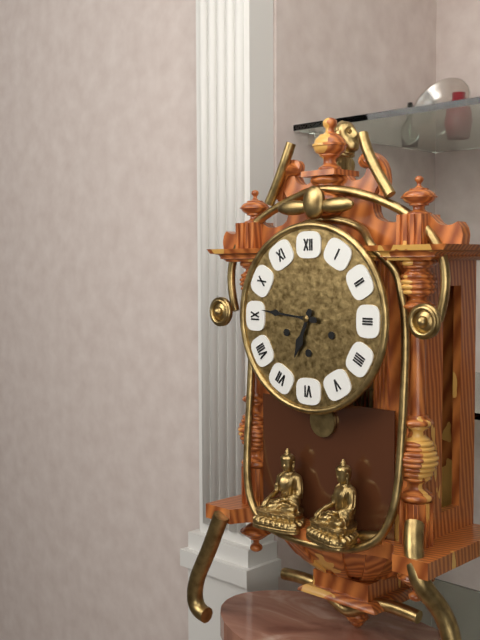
6:46
